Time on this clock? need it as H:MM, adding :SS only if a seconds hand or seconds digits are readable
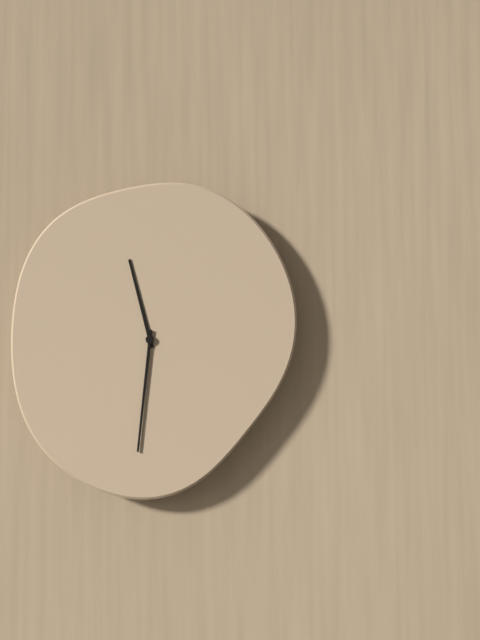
11:31
